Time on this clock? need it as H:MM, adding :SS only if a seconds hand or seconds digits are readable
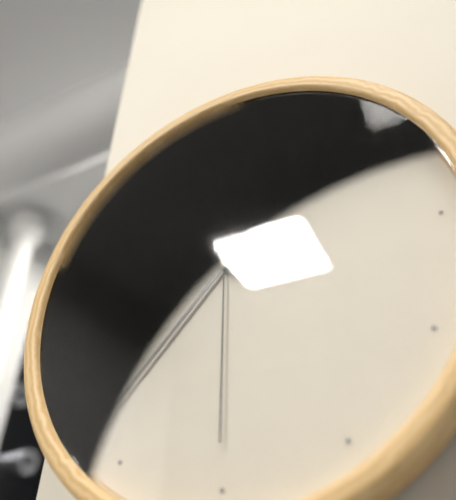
10:37:30
